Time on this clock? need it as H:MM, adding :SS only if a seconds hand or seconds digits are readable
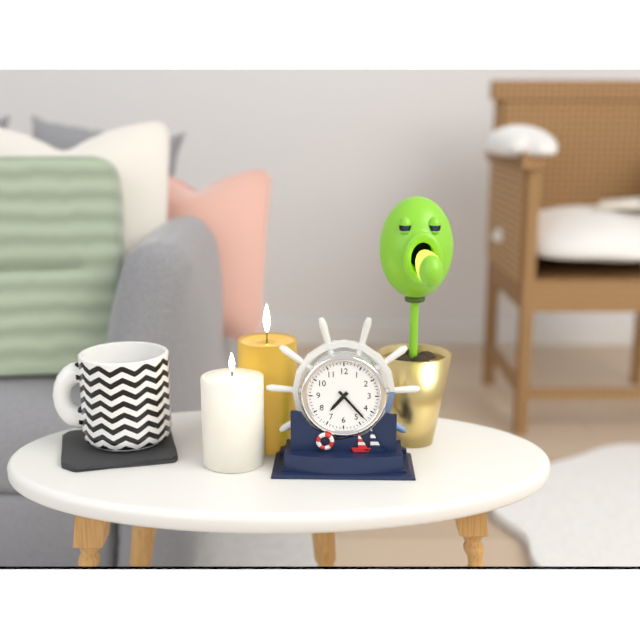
7:23
